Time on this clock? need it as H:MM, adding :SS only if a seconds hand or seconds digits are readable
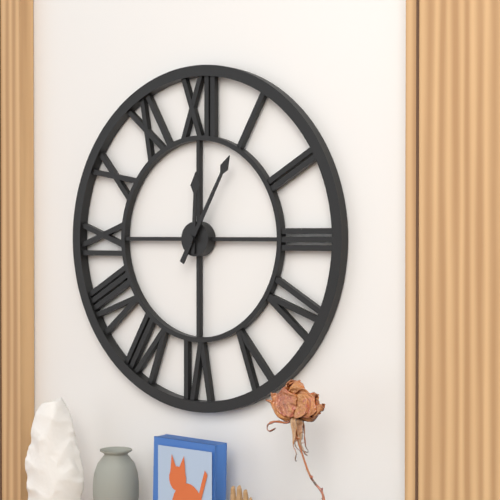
12:05
